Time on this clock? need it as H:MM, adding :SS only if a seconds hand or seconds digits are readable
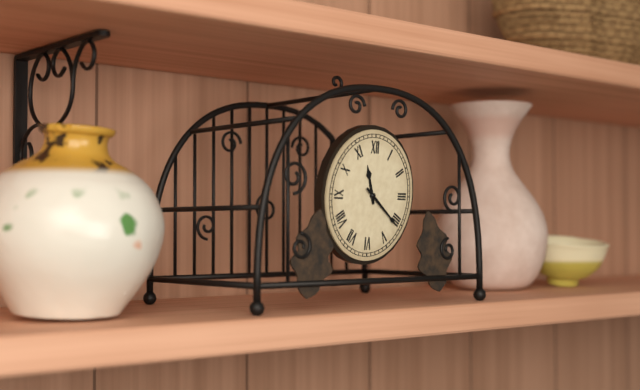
11:21
